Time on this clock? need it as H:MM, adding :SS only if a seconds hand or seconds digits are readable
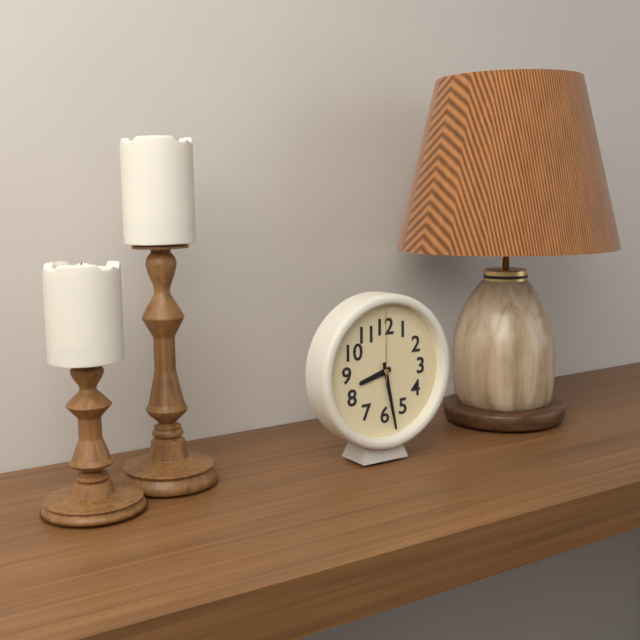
8:28:00
